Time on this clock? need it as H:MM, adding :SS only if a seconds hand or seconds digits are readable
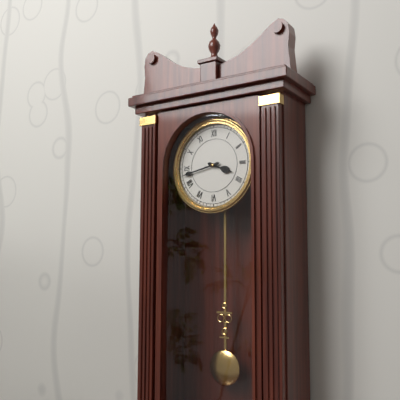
3:43
